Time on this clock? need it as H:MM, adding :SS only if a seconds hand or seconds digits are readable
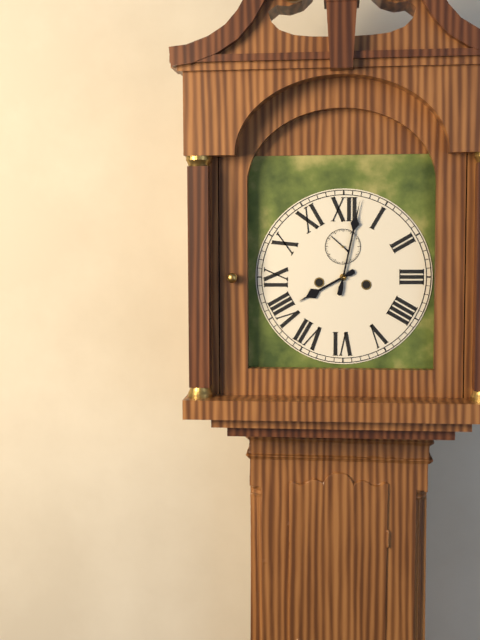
8:02
